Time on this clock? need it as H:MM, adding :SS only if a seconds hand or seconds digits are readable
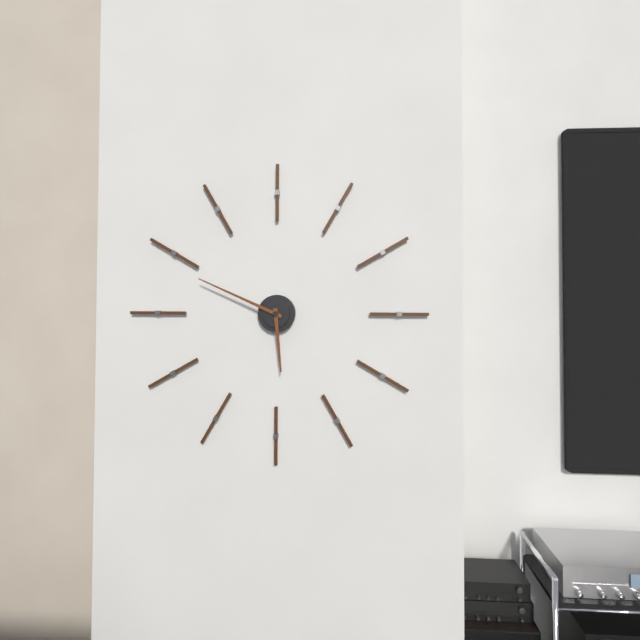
5:49
